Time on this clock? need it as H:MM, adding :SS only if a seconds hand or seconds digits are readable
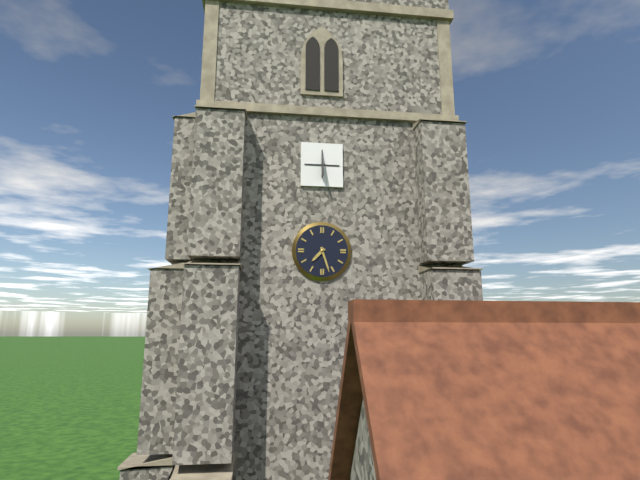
7:27
